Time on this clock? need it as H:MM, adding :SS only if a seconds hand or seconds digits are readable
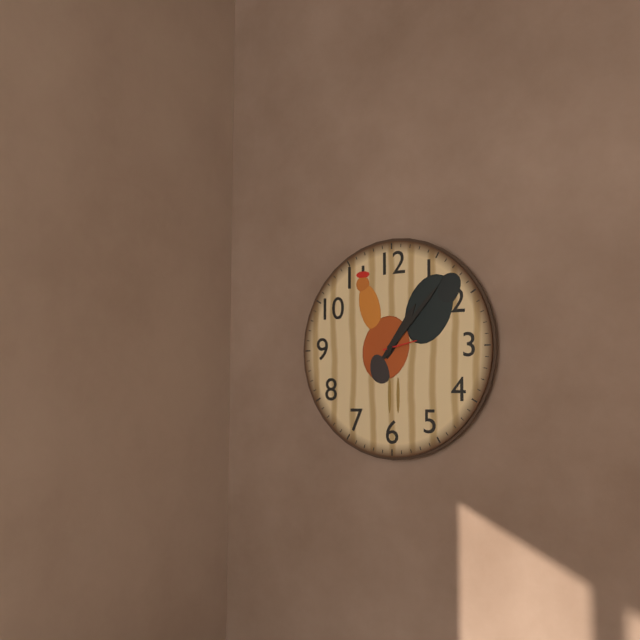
1:07
